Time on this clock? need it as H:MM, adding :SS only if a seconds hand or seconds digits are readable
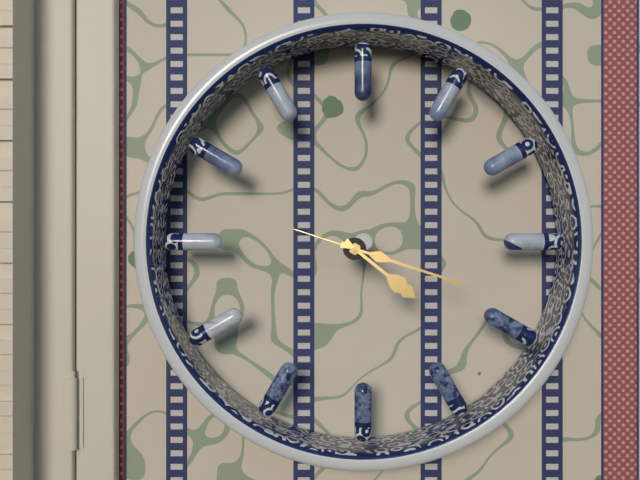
4:18:48
